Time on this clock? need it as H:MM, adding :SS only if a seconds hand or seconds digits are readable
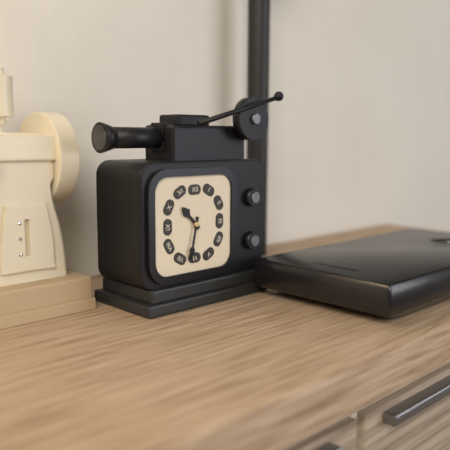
10:32
